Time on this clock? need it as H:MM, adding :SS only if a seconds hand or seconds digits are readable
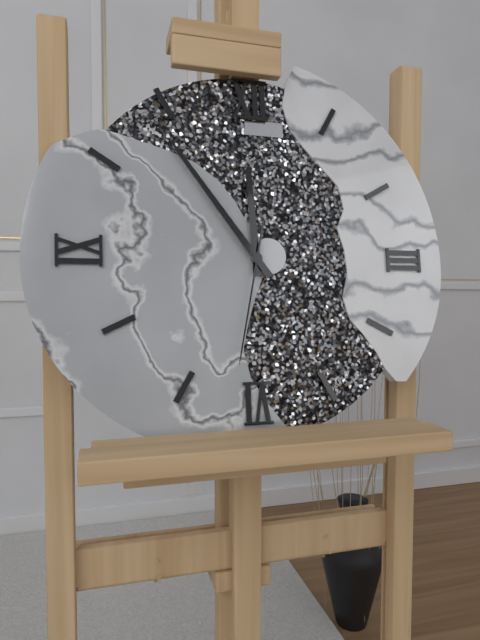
11:54:32
